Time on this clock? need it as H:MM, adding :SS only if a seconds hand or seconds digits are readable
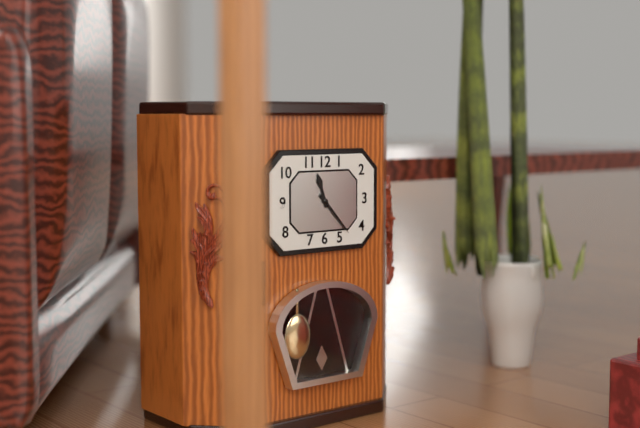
11:23
